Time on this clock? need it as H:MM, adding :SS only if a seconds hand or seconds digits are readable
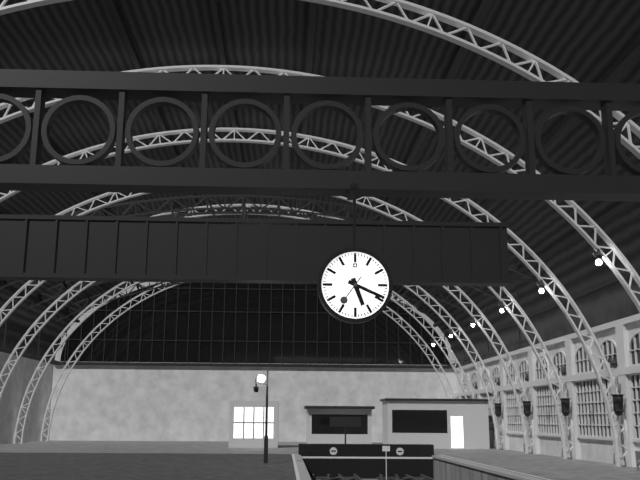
5:19
